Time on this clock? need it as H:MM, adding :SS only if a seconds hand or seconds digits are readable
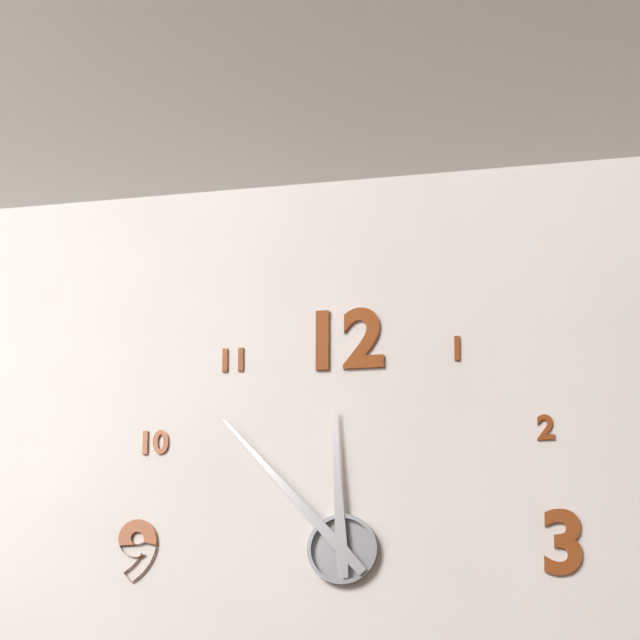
11:53
